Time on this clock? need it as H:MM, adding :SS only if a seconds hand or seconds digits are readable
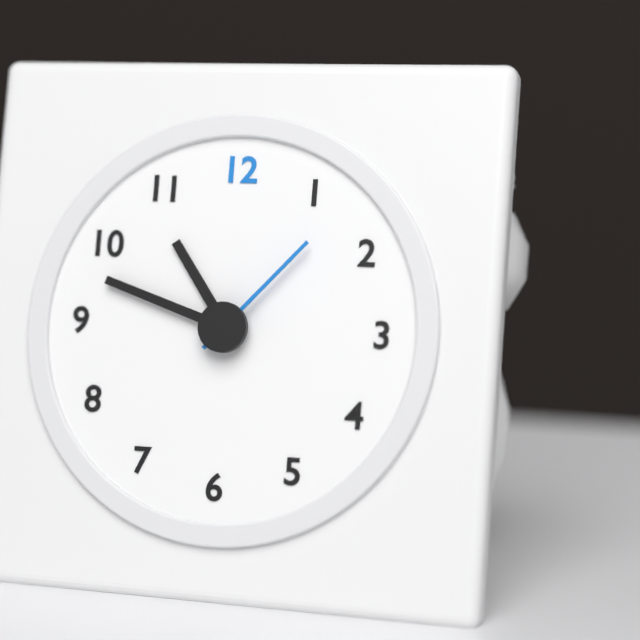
10:48:07
